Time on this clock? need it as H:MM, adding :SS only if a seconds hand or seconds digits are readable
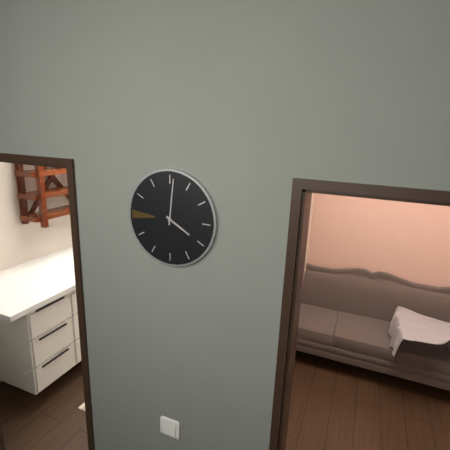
4:01
